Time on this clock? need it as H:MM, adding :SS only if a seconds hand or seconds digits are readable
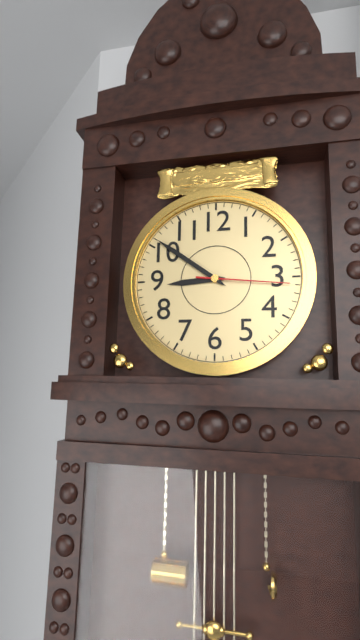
8:51:16
